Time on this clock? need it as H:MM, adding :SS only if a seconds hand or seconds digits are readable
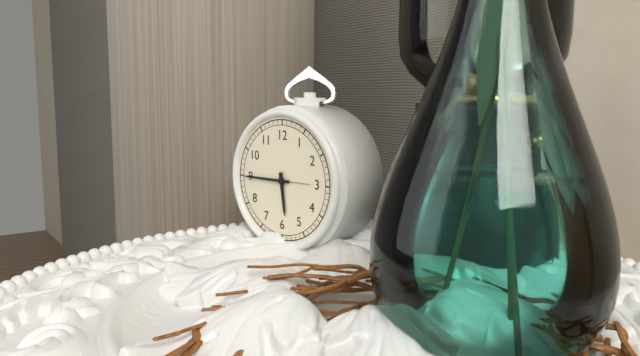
5:45
